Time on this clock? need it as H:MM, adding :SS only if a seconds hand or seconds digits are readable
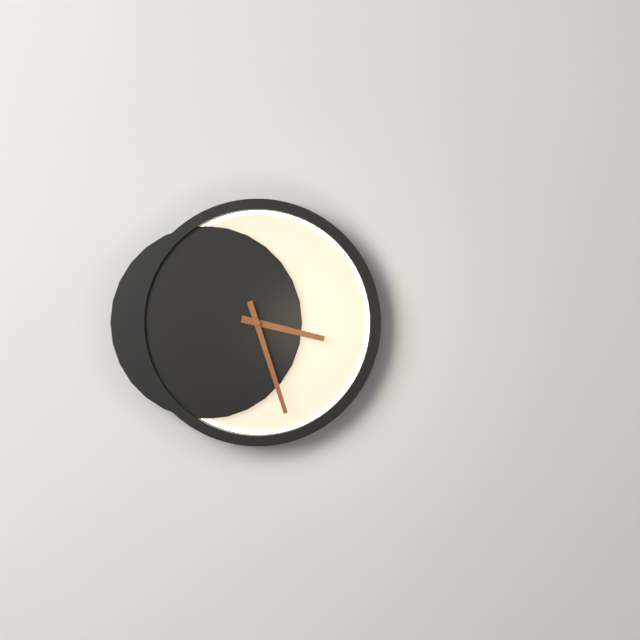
3:27
